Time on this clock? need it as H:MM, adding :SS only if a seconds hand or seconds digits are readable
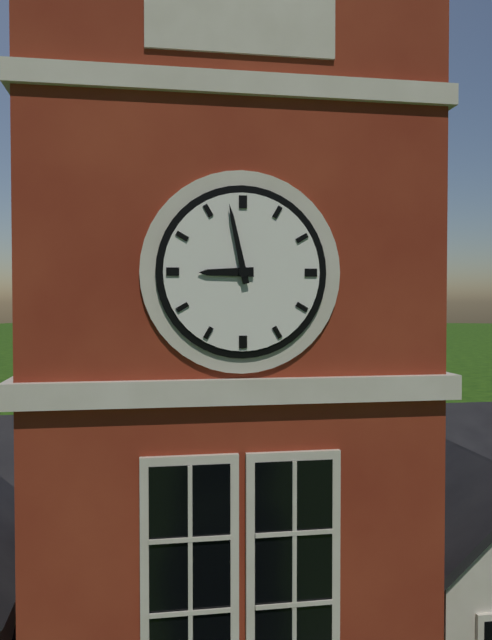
8:58
